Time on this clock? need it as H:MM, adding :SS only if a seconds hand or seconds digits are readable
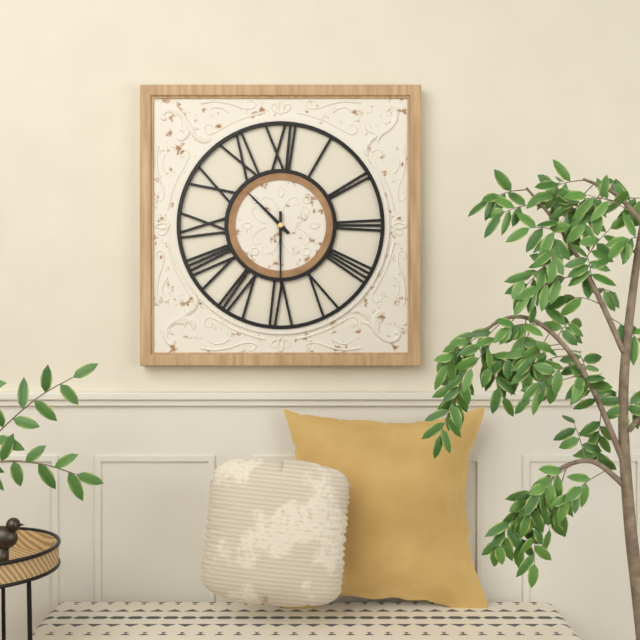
10:30
